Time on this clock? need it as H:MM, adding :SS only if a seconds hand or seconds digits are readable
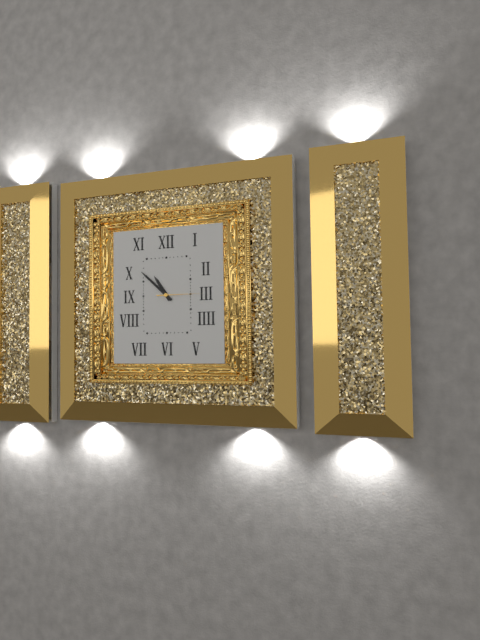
10:52
